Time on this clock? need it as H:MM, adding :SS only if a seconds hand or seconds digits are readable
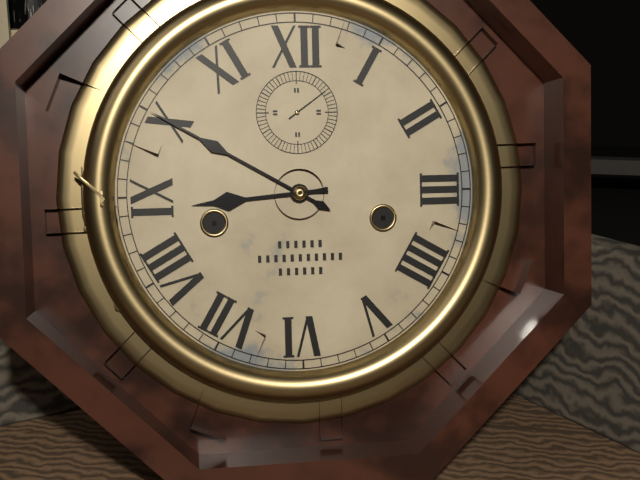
8:50
